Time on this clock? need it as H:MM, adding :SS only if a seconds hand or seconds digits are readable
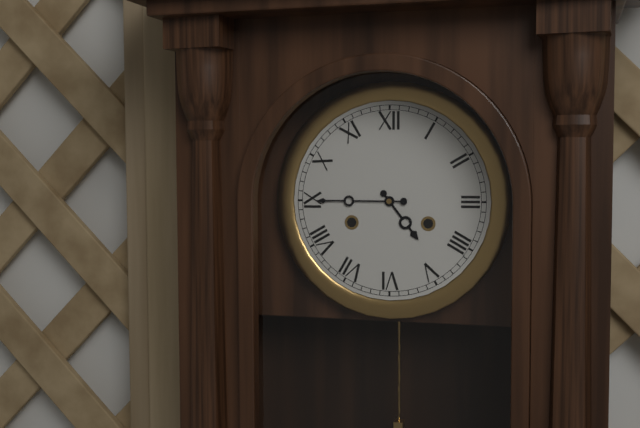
4:45
